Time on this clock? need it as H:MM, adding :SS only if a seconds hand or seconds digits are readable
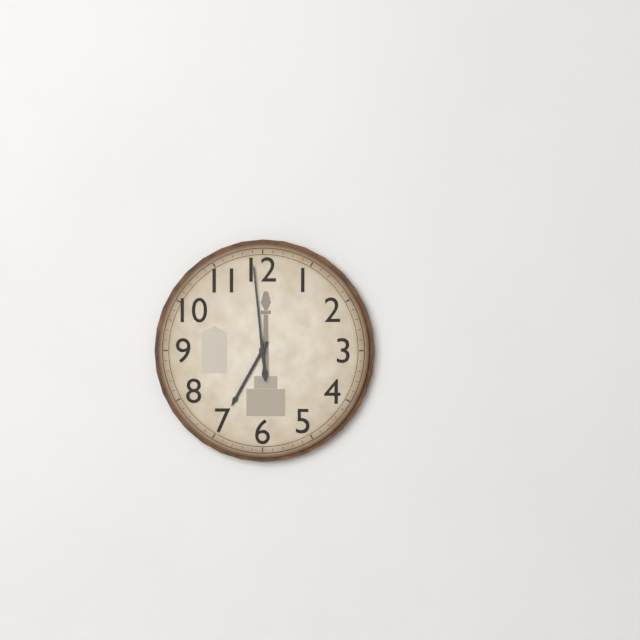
6:59
